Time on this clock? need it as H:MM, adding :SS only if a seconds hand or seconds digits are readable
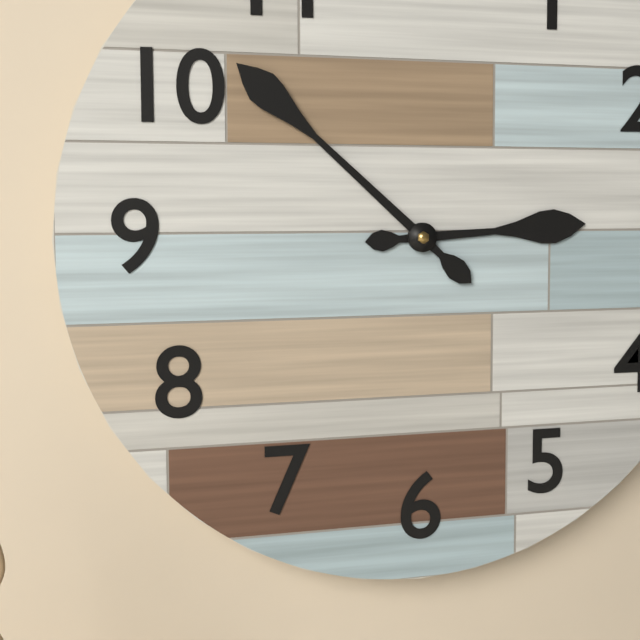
2:52
